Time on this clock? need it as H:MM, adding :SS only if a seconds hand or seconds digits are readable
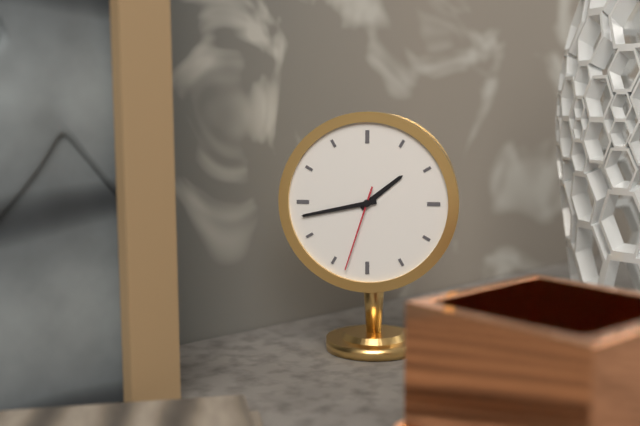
1:43:33
